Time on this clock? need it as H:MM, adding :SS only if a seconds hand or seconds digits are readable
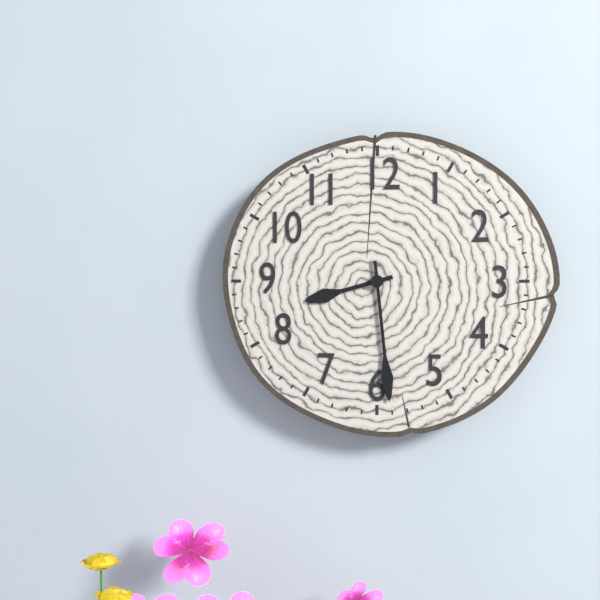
8:29
